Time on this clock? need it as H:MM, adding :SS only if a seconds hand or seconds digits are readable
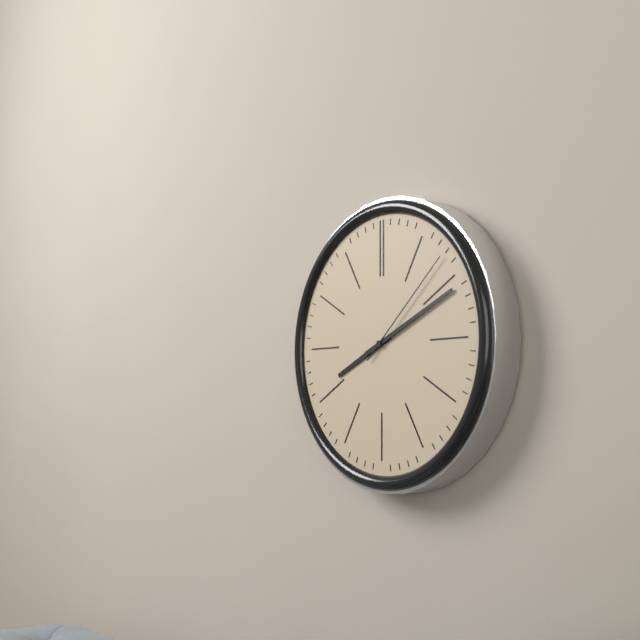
8:11:08
